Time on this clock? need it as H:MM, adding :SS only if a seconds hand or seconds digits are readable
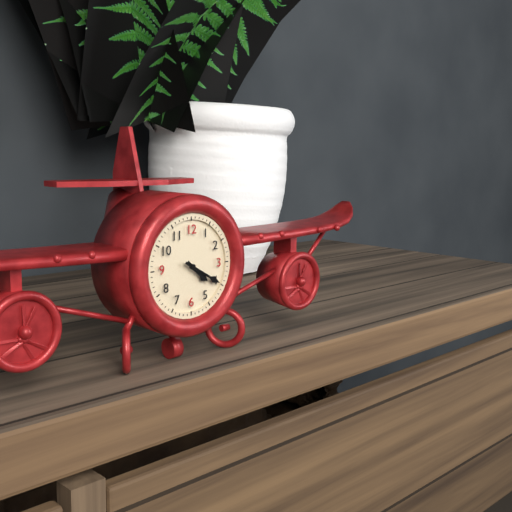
4:20
